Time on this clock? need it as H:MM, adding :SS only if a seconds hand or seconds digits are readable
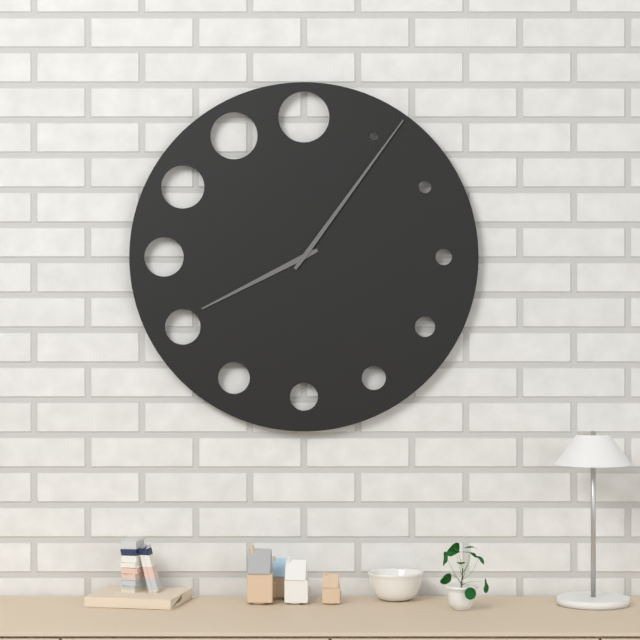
8:06
